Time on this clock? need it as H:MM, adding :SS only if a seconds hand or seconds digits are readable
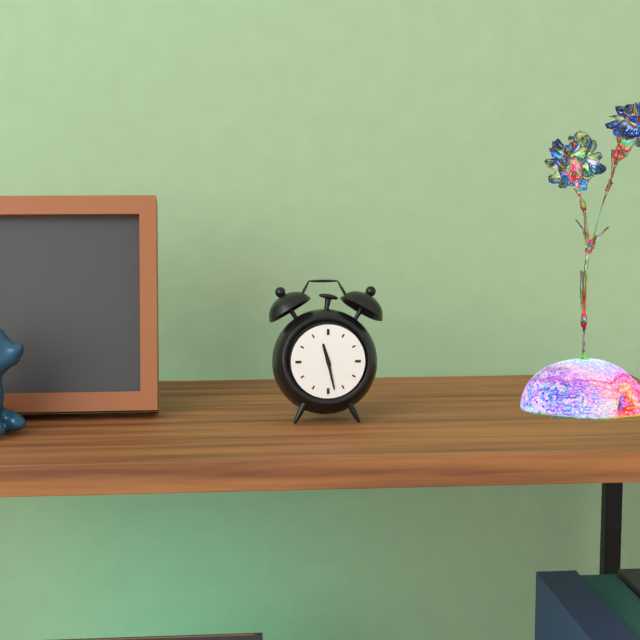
11:28
